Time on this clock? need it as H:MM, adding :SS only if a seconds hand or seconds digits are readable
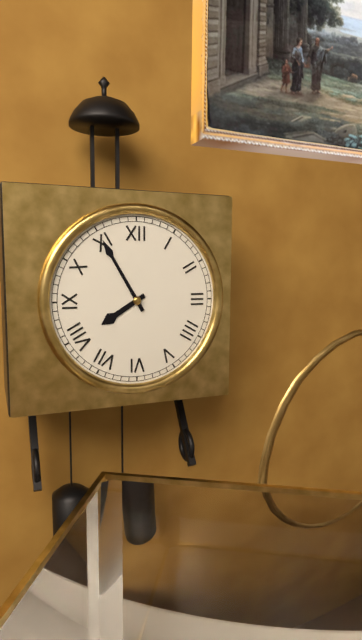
7:55
